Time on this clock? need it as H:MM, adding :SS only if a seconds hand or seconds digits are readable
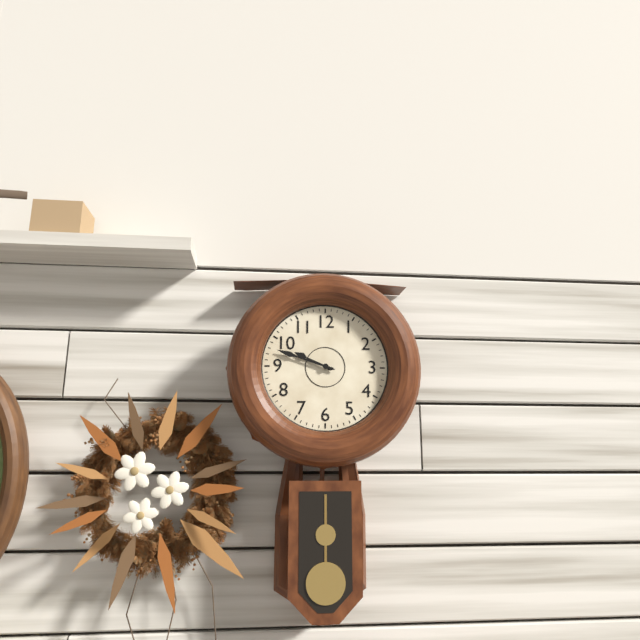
9:48
